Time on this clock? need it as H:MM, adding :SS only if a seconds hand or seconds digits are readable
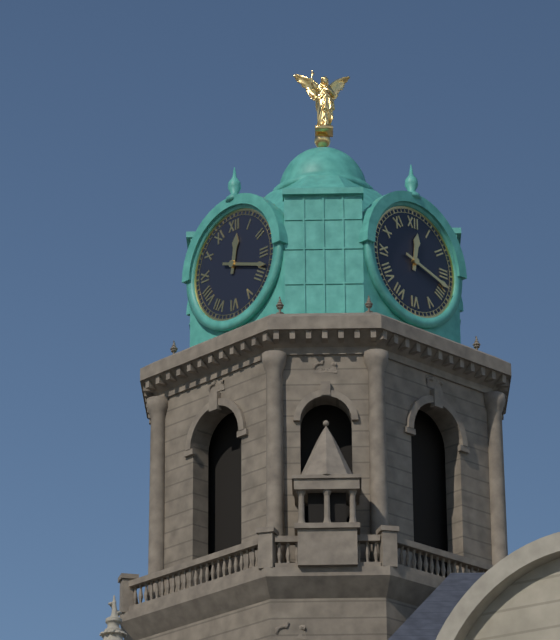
12:18
